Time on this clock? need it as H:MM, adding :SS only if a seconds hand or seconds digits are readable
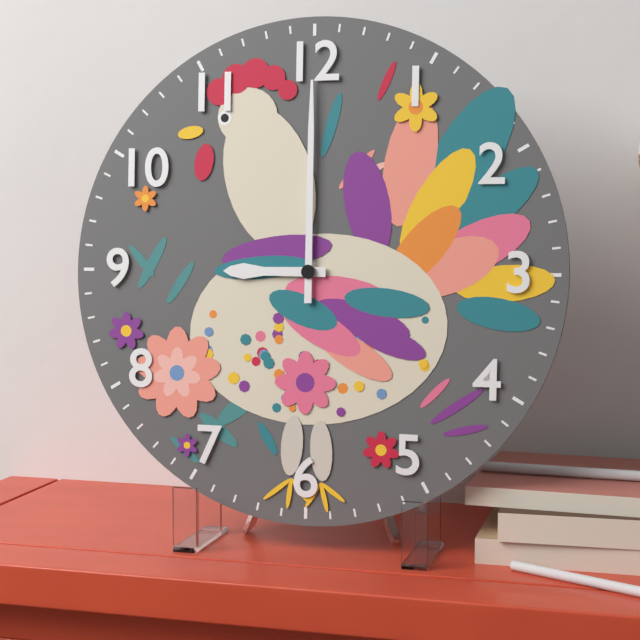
9:00
